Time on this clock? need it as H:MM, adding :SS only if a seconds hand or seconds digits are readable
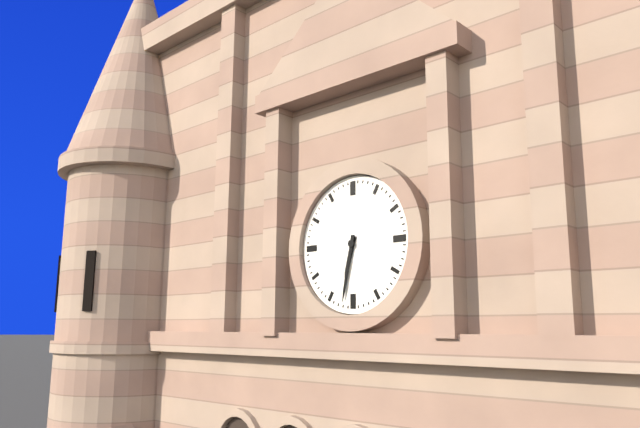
6:32
